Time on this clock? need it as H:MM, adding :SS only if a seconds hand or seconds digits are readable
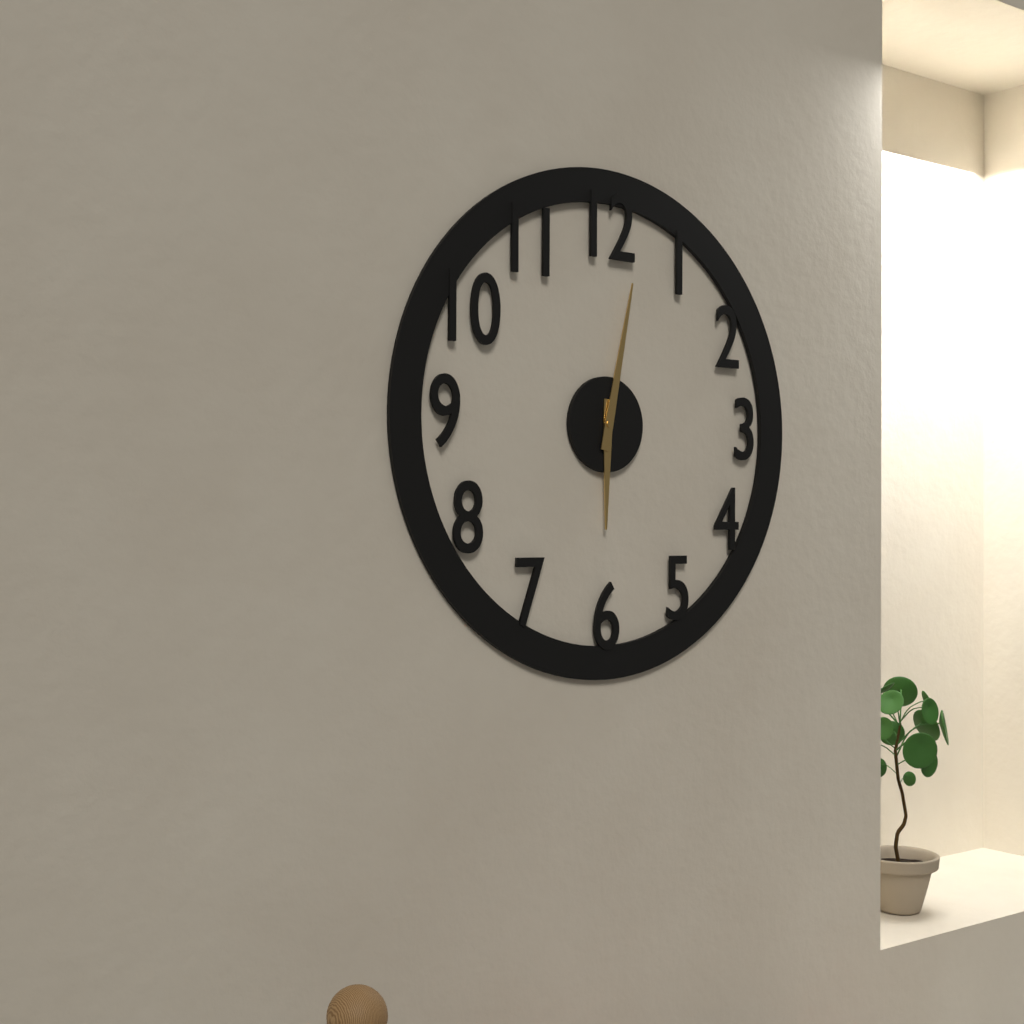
6:02
